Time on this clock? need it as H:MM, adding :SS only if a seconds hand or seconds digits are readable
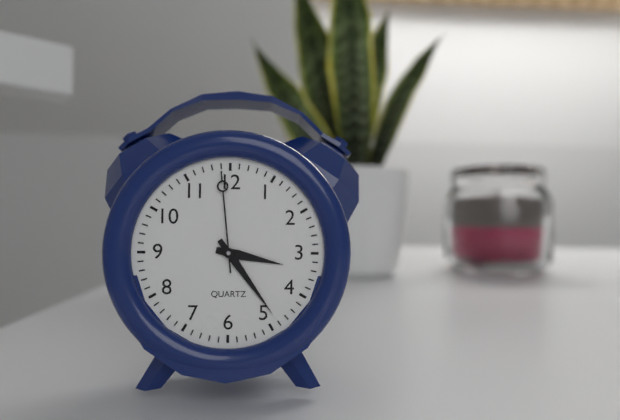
3:24:59
